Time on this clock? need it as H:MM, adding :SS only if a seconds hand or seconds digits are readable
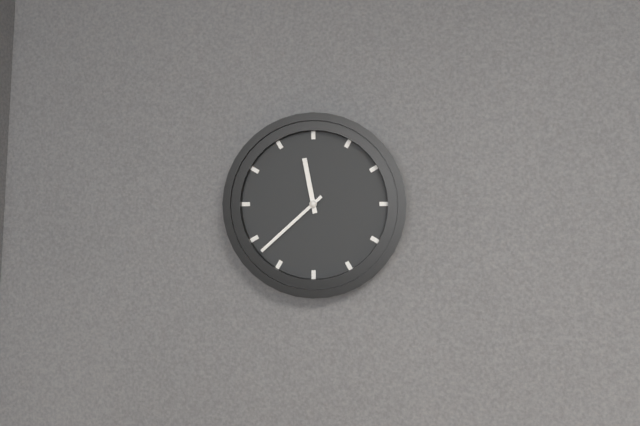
11:38
